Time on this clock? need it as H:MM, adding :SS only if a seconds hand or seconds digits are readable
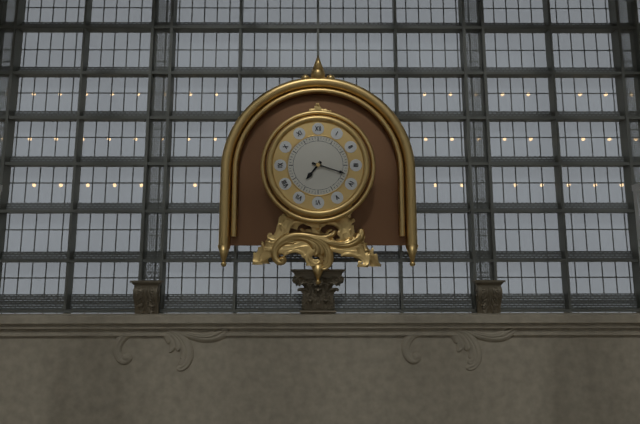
7:18
